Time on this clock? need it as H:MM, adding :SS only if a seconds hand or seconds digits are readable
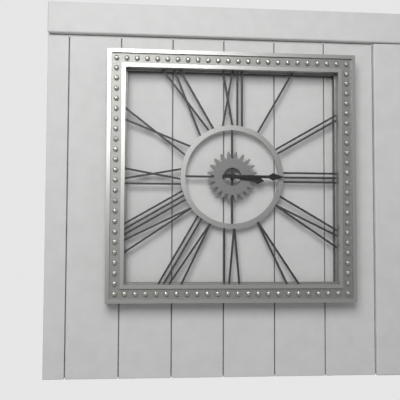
3:15
